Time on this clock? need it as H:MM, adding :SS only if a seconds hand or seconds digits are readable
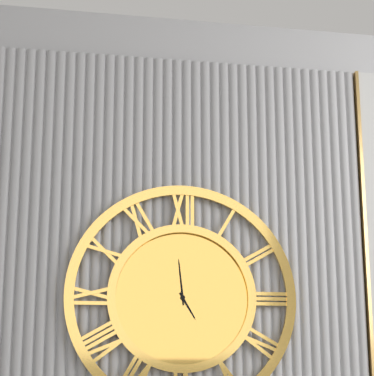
4:59
